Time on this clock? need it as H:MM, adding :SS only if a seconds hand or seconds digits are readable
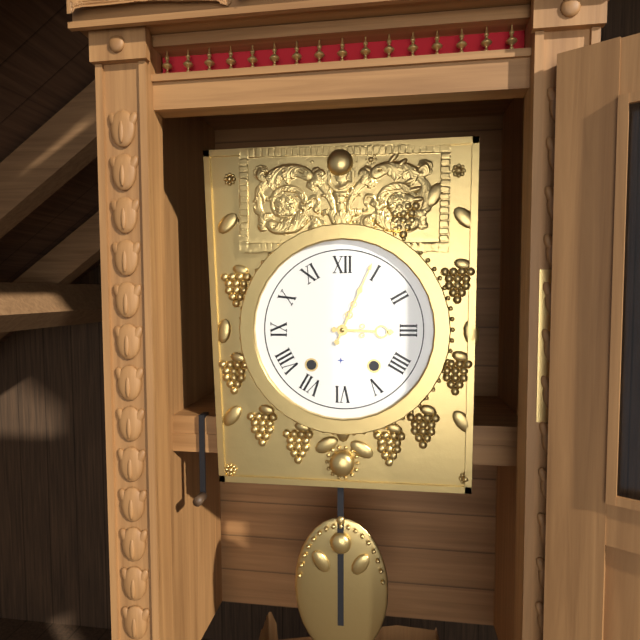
3:04
